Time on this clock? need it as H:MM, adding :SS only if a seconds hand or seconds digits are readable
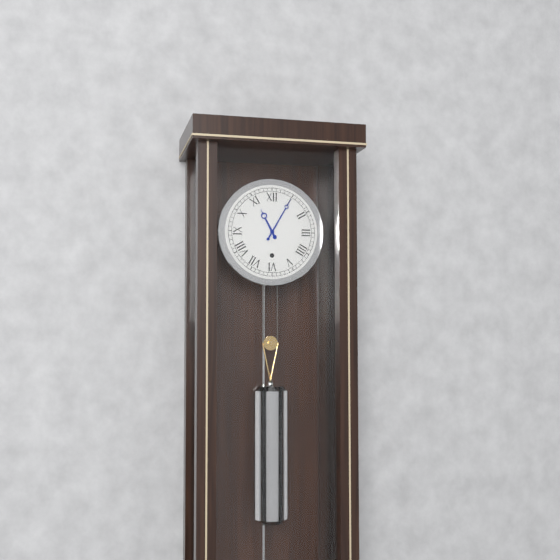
11:05
